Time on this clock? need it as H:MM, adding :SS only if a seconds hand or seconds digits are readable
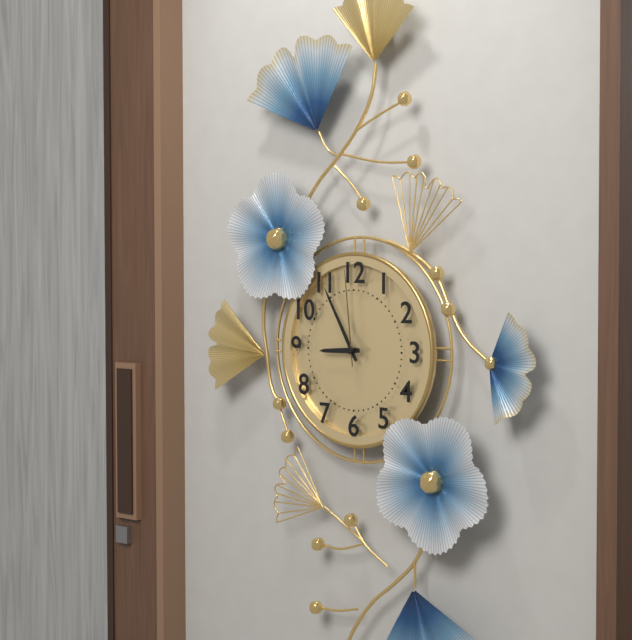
8:55:59
